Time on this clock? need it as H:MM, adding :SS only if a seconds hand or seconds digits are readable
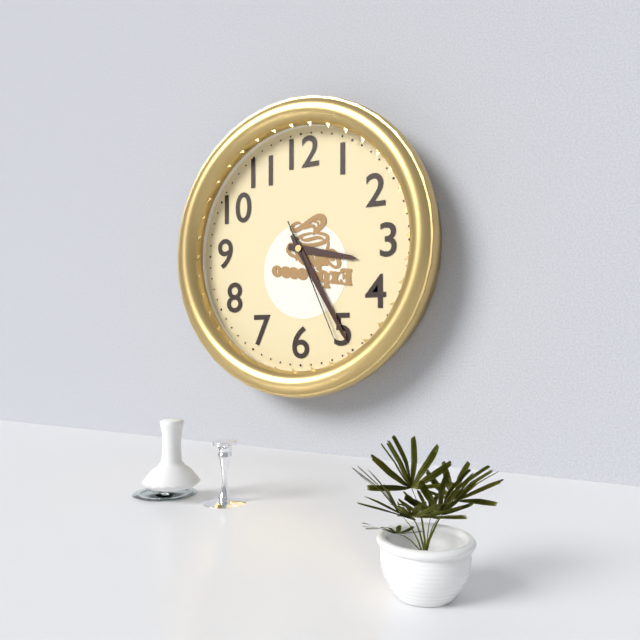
3:25:26
